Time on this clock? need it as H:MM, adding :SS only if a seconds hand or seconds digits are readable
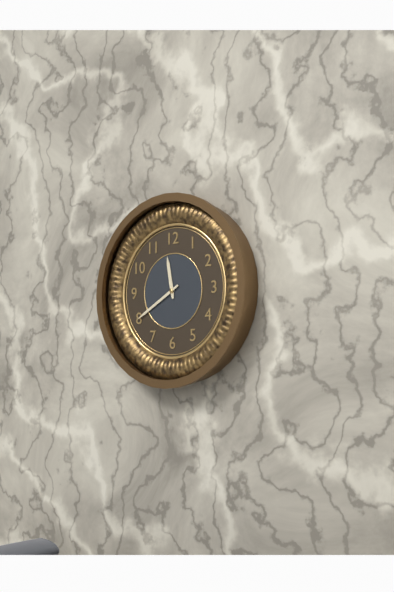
11:40
